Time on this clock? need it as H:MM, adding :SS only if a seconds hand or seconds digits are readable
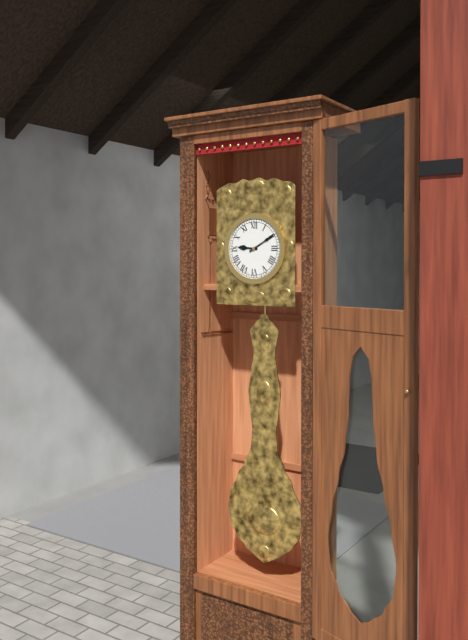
9:10
